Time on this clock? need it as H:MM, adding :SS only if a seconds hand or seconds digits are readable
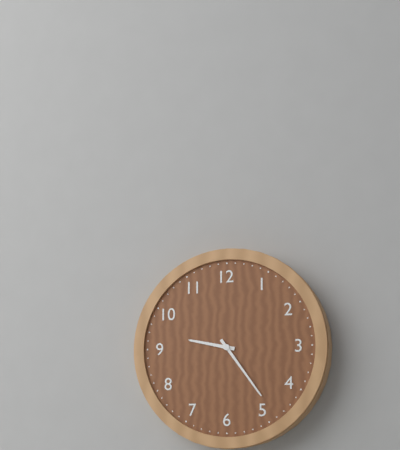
9:24
